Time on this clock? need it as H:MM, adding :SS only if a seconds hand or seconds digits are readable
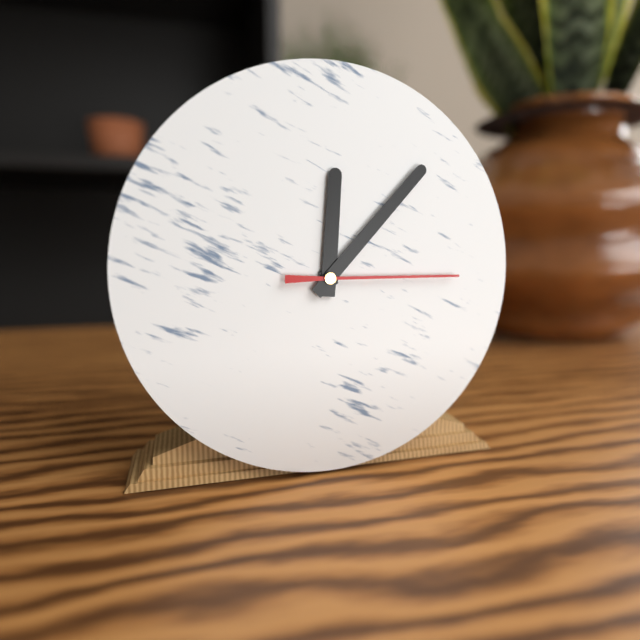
12:07:15
